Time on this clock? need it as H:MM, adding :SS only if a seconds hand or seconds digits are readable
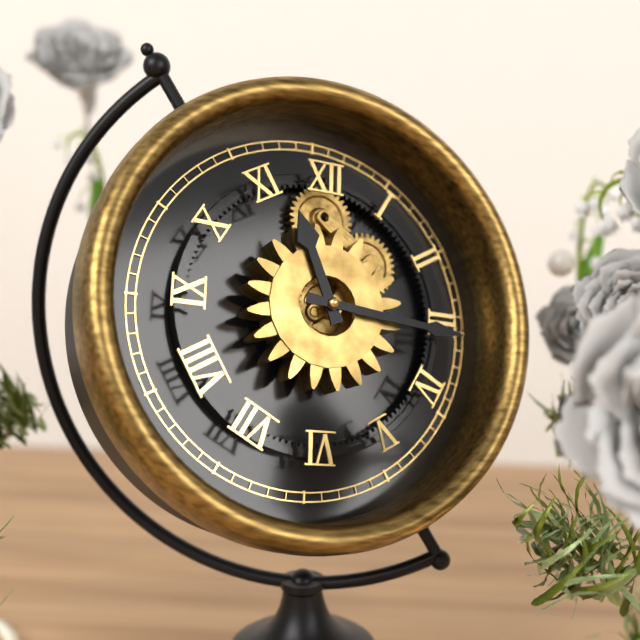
11:16
